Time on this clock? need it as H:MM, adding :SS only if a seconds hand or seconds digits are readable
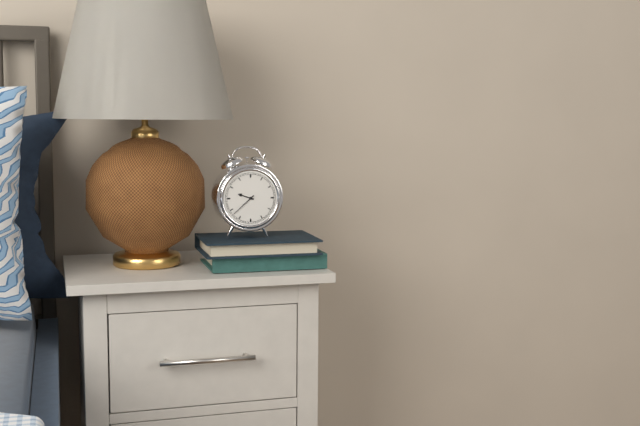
9:38
